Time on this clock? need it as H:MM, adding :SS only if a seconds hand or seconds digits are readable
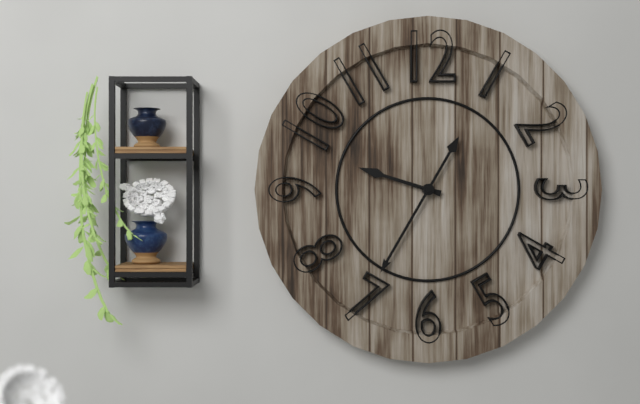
9:35
